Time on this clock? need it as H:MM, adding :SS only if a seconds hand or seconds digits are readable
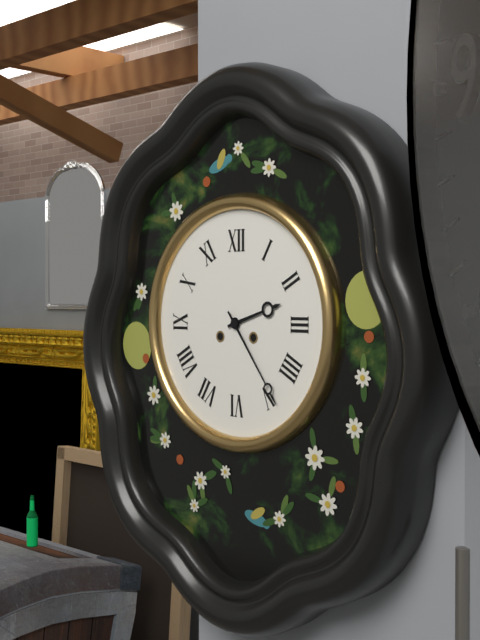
2:24
